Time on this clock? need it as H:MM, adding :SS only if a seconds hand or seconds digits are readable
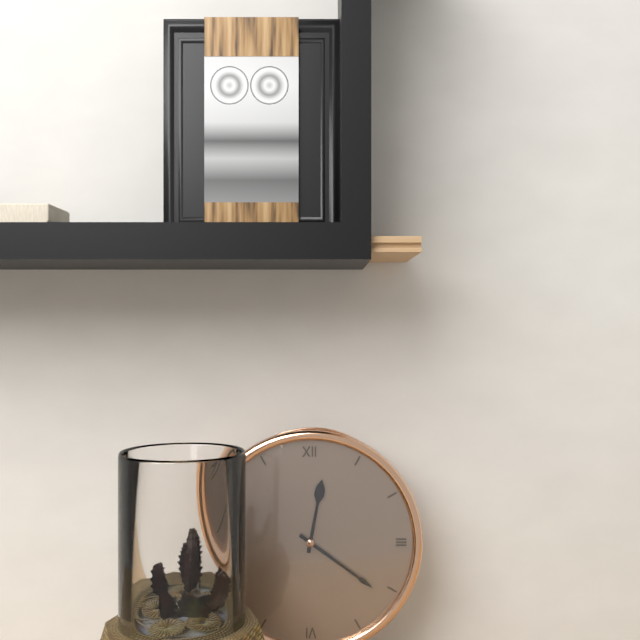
12:21
